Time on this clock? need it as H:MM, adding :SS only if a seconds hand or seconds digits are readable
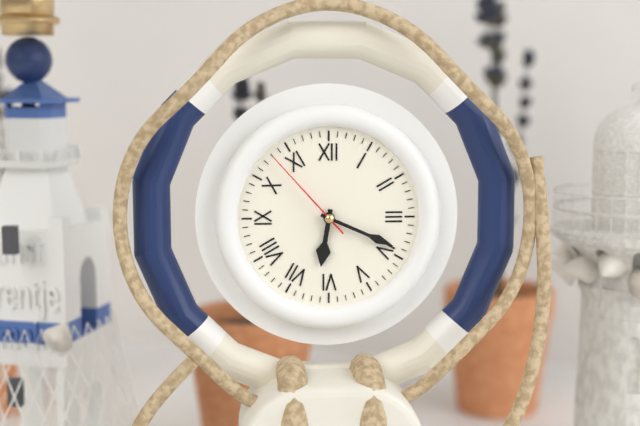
6:19:53
